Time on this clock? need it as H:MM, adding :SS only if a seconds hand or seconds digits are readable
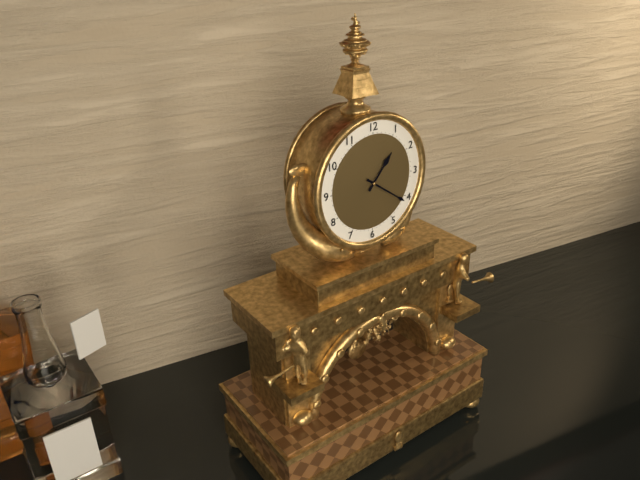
1:21
